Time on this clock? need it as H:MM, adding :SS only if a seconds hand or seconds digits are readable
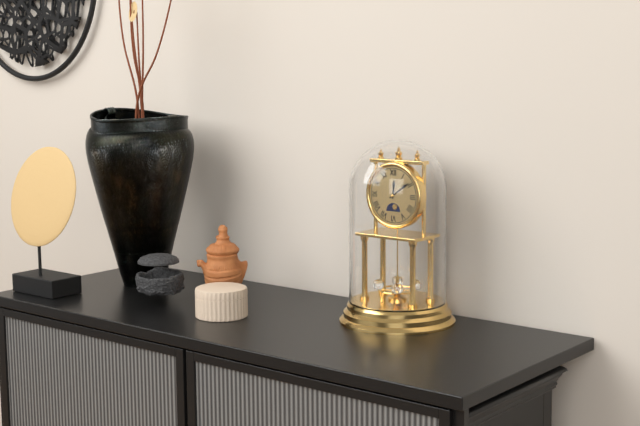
12:09
